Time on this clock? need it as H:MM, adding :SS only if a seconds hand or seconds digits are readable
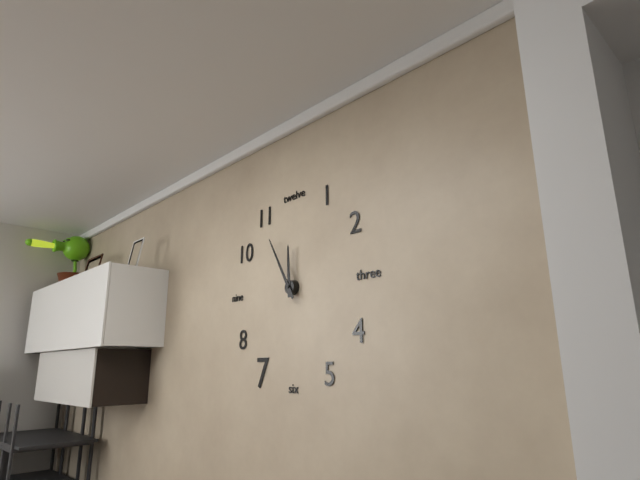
11:55
